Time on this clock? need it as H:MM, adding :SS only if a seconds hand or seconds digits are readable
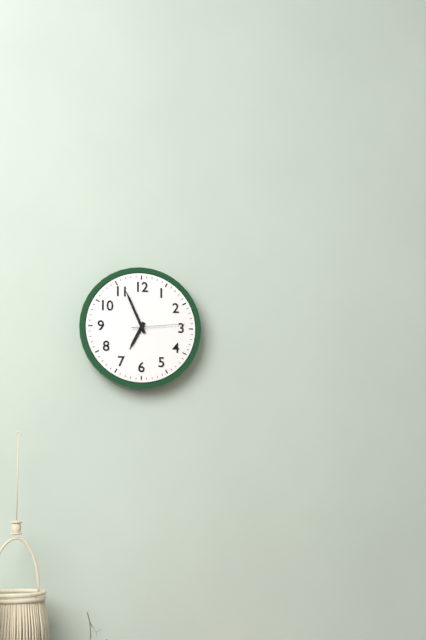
6:56:14
